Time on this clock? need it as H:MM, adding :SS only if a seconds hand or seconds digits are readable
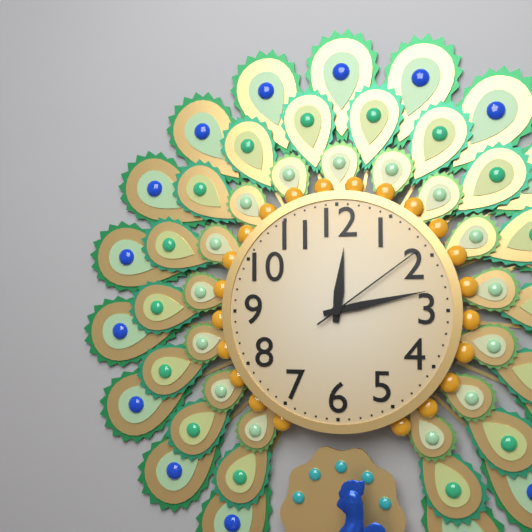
12:13:09
